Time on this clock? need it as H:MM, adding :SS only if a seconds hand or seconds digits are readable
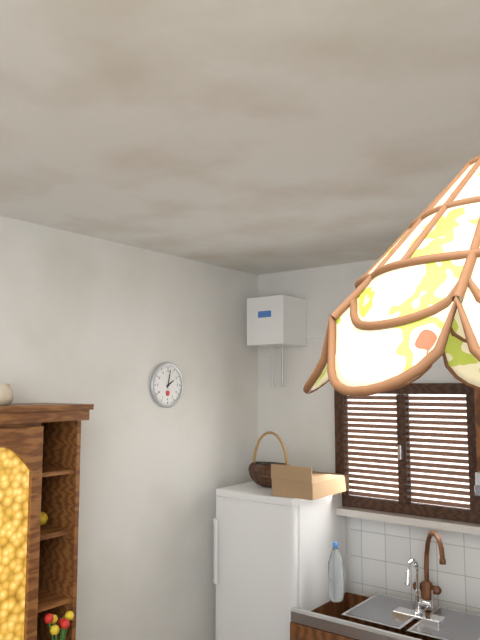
2:02
